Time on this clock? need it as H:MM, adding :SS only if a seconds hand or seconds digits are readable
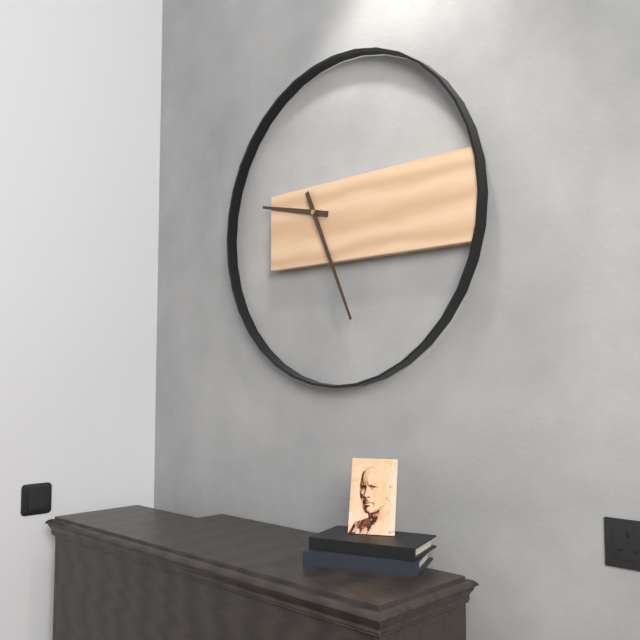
9:26
